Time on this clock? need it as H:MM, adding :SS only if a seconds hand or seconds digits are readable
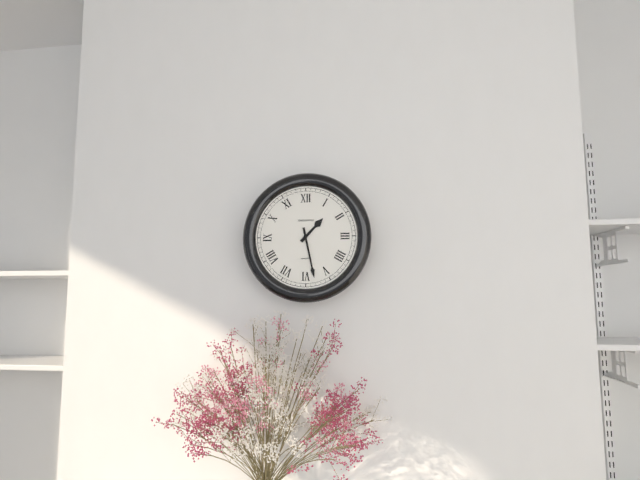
1:28
